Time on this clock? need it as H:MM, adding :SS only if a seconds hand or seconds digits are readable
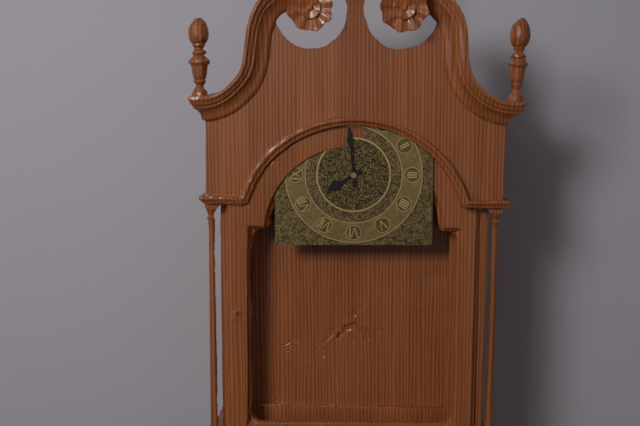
7:59
